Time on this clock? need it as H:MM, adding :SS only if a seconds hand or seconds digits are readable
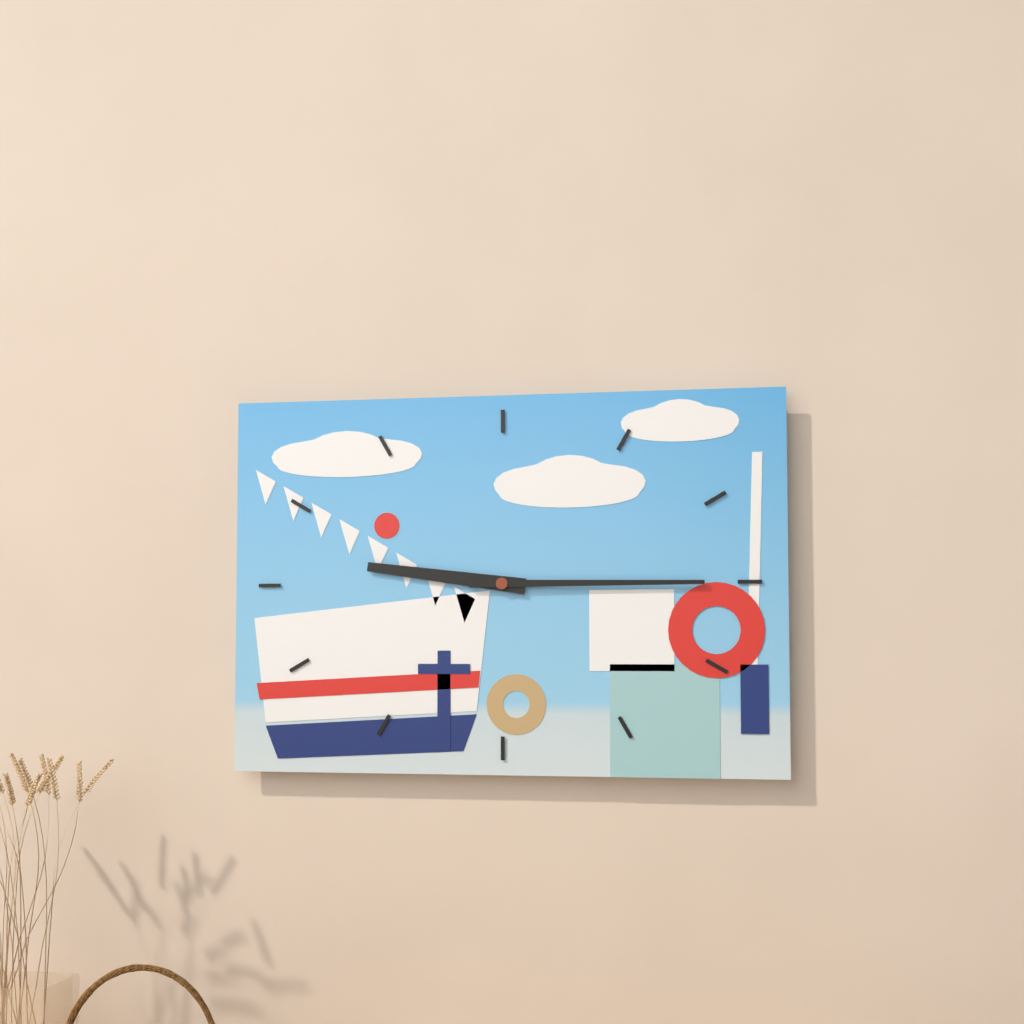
9:15
